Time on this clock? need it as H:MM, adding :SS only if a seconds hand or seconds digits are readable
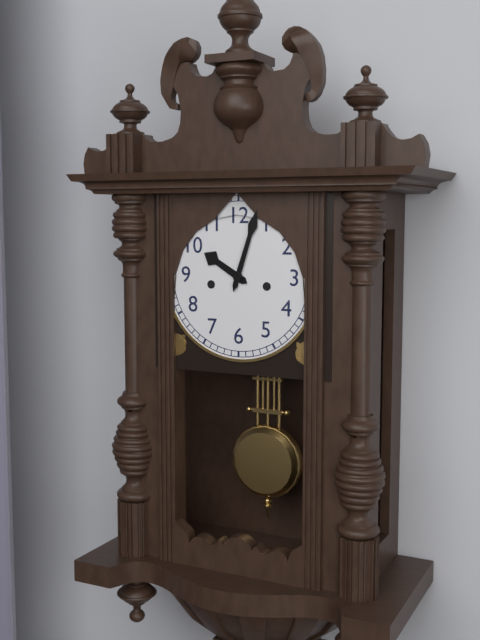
10:03
